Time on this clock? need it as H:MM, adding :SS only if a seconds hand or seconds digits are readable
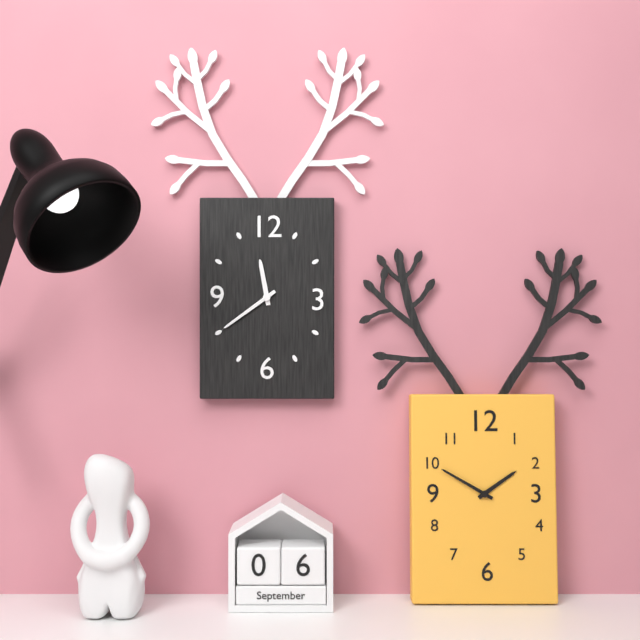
11:39
